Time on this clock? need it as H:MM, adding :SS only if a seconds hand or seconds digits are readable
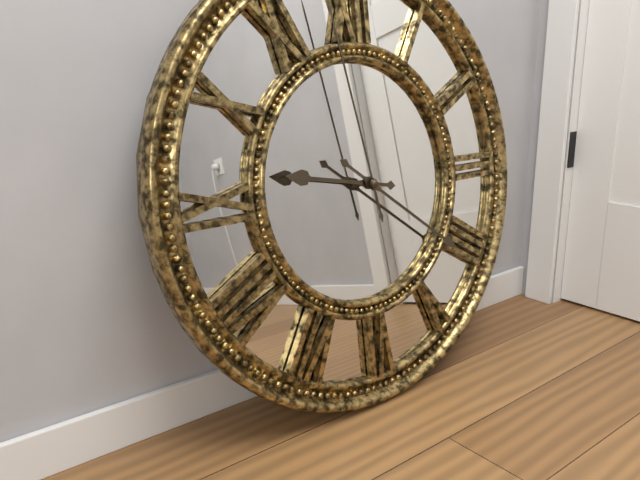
9:21
